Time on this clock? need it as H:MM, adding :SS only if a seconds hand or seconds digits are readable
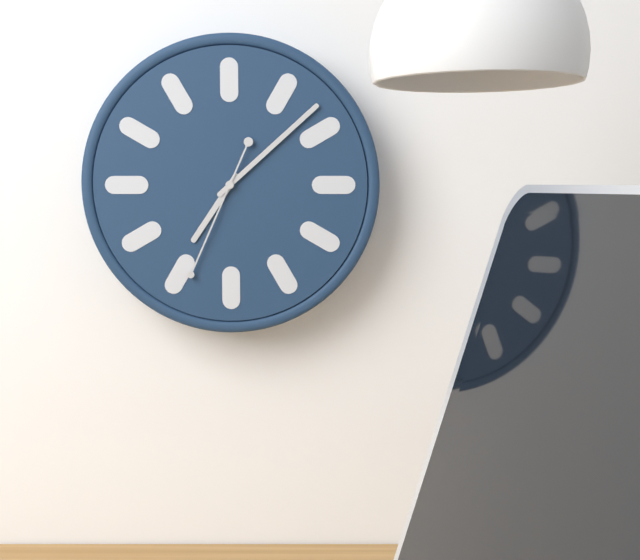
7:08:34
